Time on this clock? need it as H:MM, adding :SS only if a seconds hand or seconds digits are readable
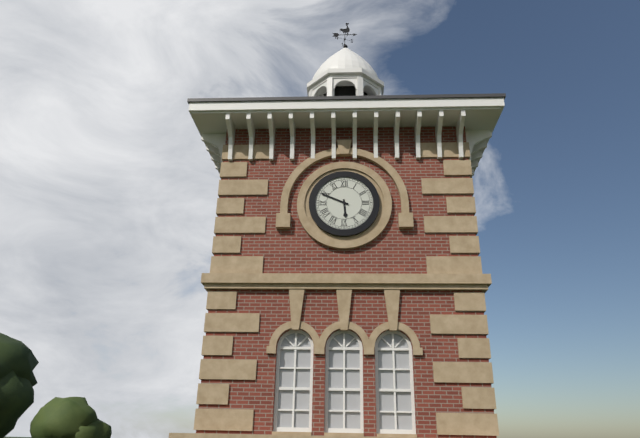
5:49
